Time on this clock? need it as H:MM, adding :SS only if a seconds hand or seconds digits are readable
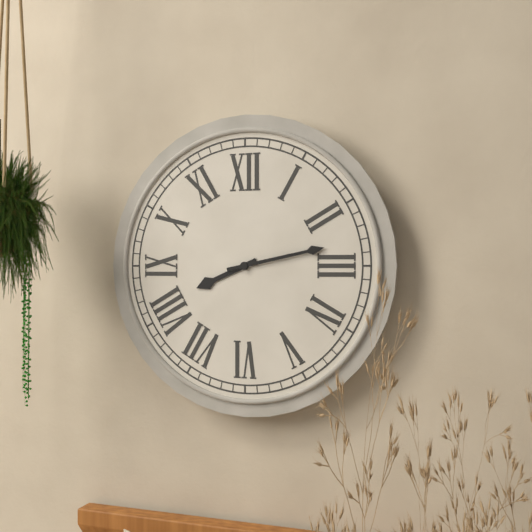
8:13
